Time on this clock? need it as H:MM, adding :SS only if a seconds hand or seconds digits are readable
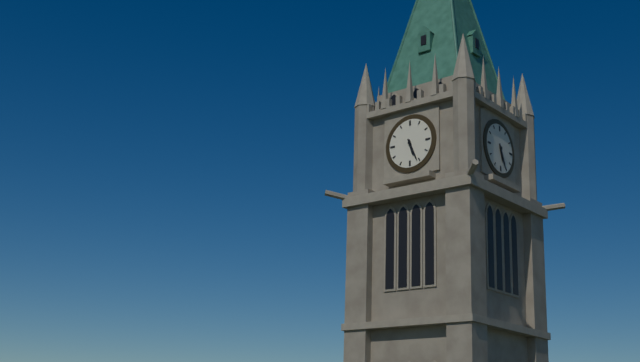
5:26
